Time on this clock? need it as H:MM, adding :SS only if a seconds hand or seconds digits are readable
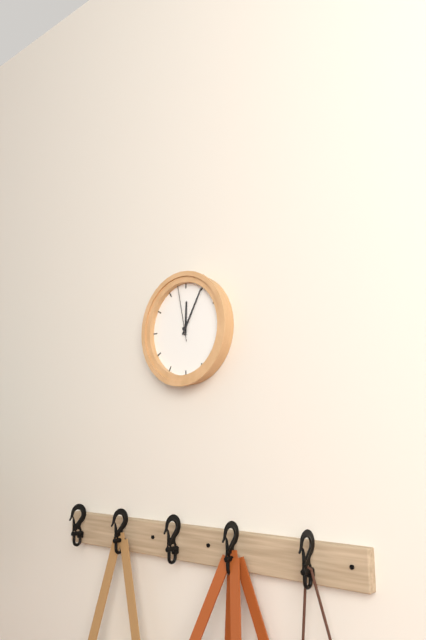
12:05:58
